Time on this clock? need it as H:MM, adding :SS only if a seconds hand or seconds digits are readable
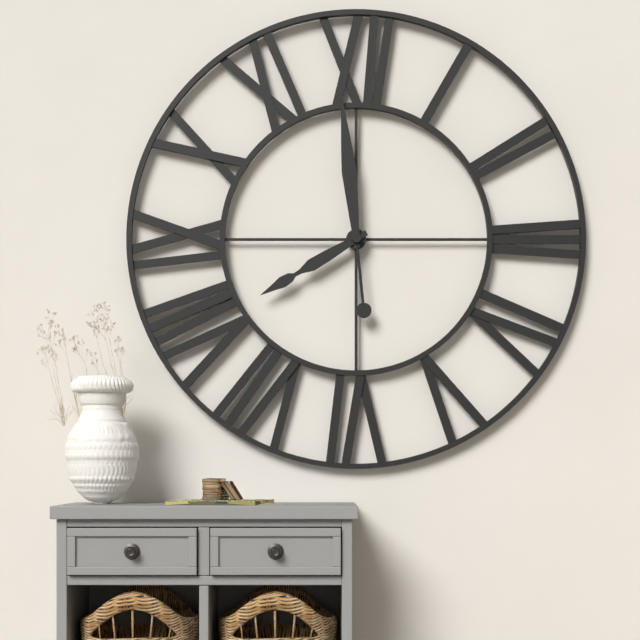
7:59
